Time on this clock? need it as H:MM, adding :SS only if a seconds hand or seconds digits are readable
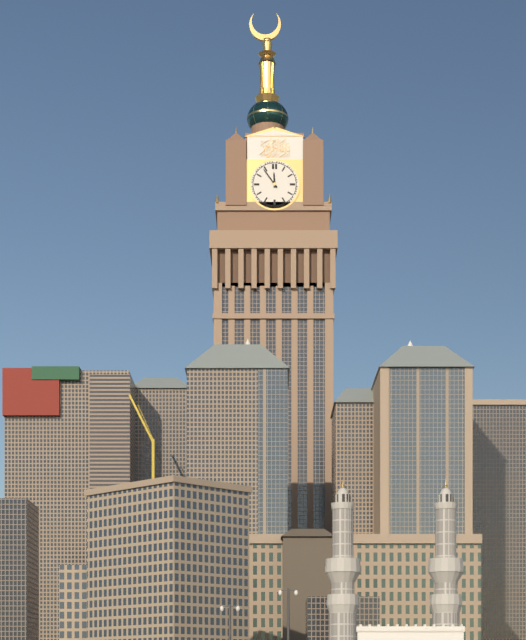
11:54
